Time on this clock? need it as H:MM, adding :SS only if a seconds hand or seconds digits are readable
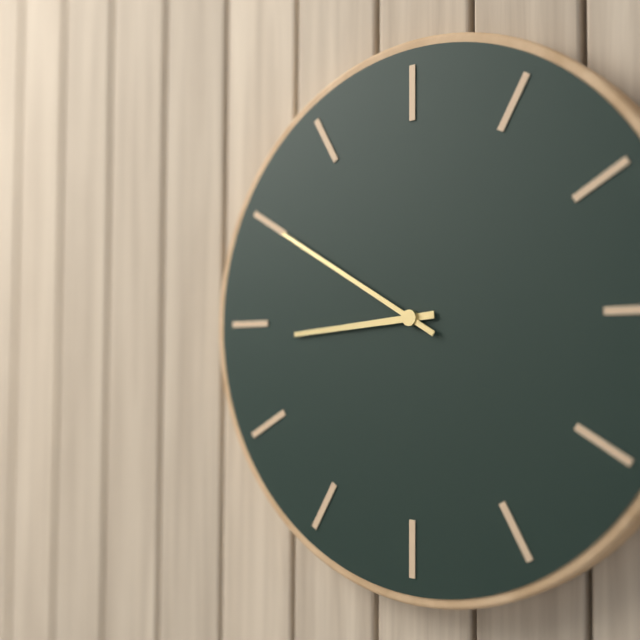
8:50
